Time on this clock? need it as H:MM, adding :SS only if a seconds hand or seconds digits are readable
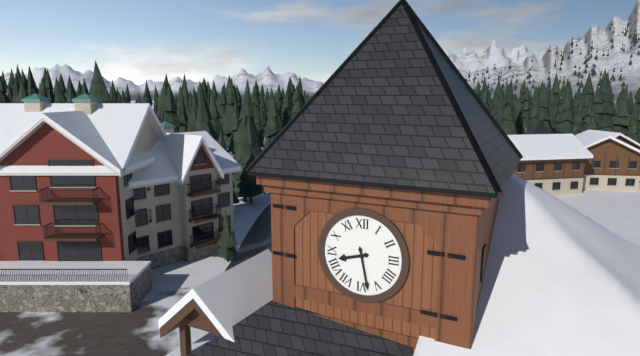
8:28
